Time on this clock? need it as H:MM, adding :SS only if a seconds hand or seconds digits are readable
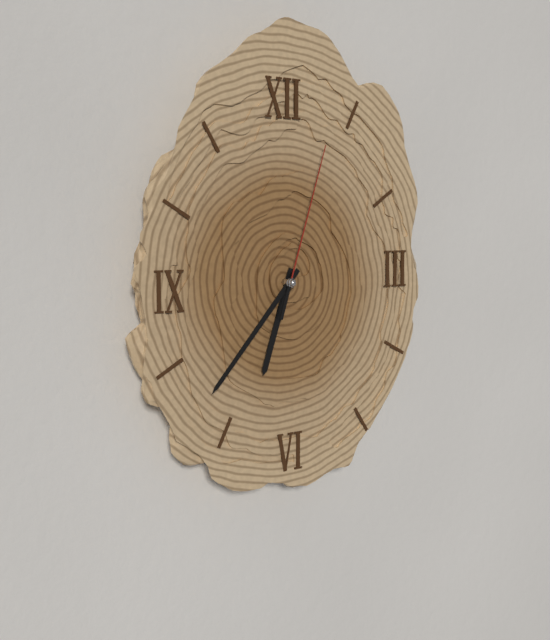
6:37:03
